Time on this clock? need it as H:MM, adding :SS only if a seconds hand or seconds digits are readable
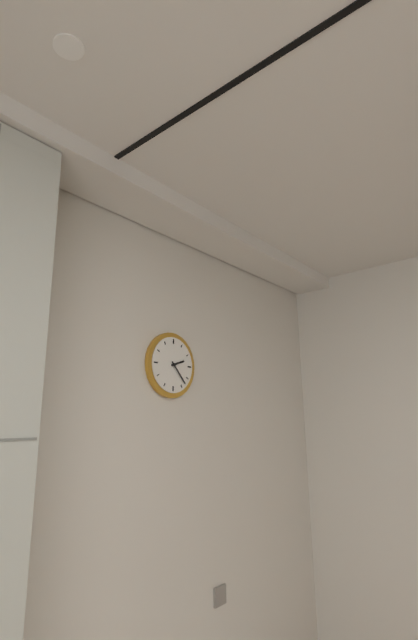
2:23
